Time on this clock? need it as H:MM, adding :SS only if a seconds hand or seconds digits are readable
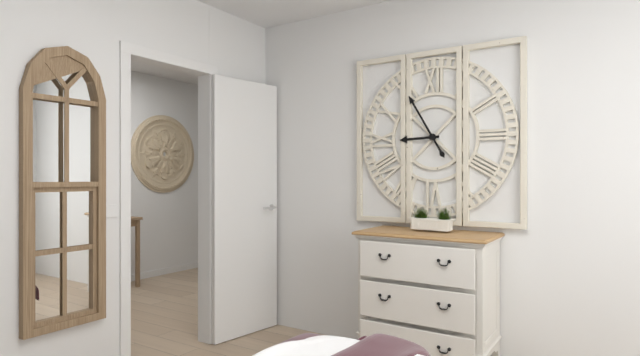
8:55
